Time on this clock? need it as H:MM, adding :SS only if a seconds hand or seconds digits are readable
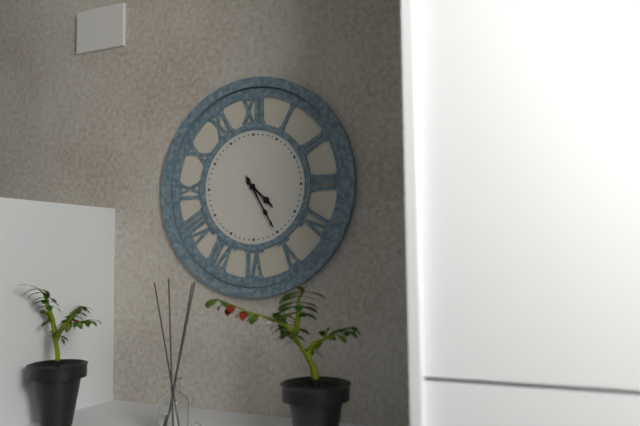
4:25
